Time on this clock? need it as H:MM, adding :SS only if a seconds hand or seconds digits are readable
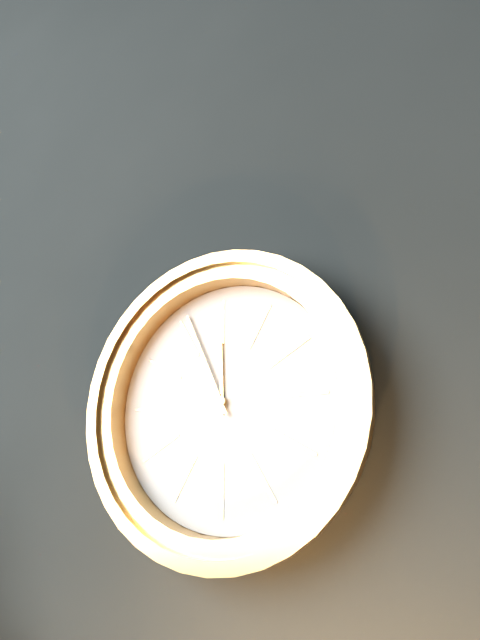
11:56
